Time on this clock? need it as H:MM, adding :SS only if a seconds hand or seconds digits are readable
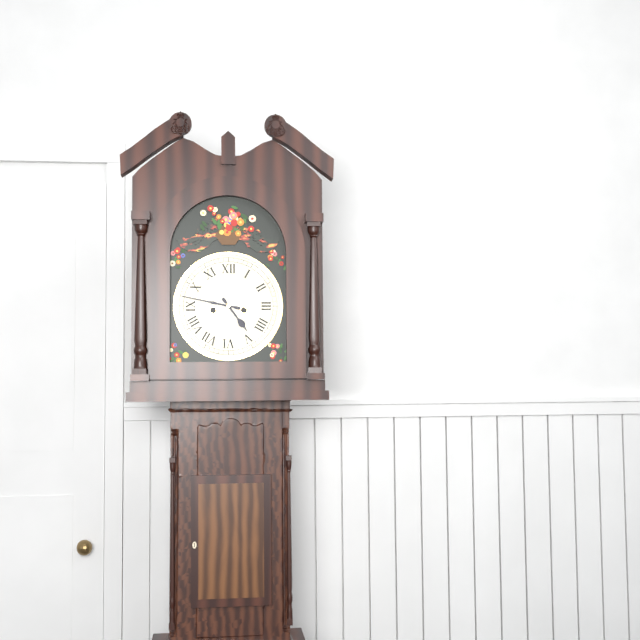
4:47
